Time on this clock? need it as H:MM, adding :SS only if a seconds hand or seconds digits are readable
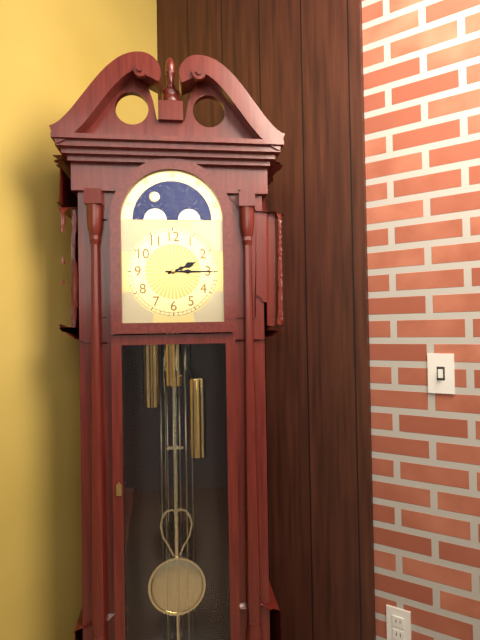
2:15
